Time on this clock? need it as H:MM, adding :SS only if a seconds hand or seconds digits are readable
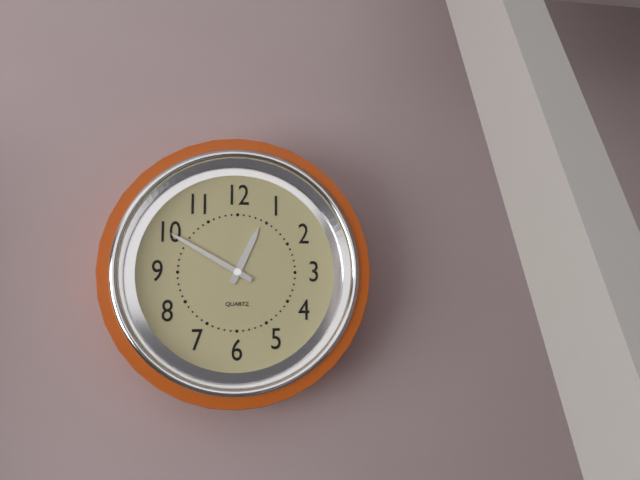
12:50
